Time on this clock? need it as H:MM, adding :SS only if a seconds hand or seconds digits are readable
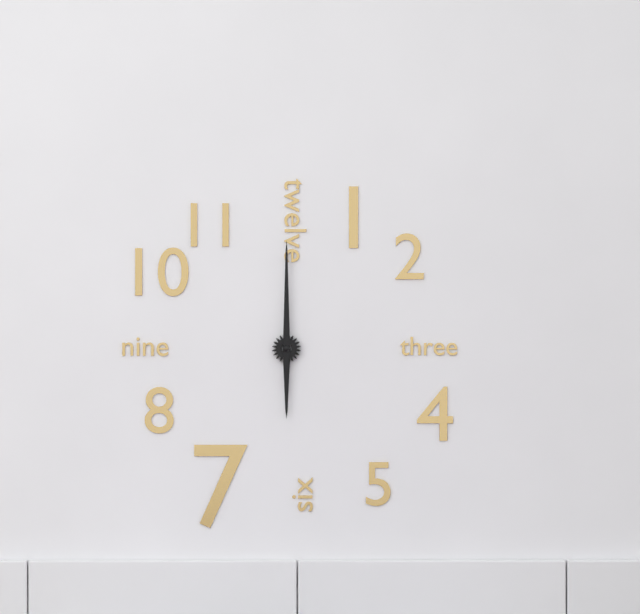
6:00
